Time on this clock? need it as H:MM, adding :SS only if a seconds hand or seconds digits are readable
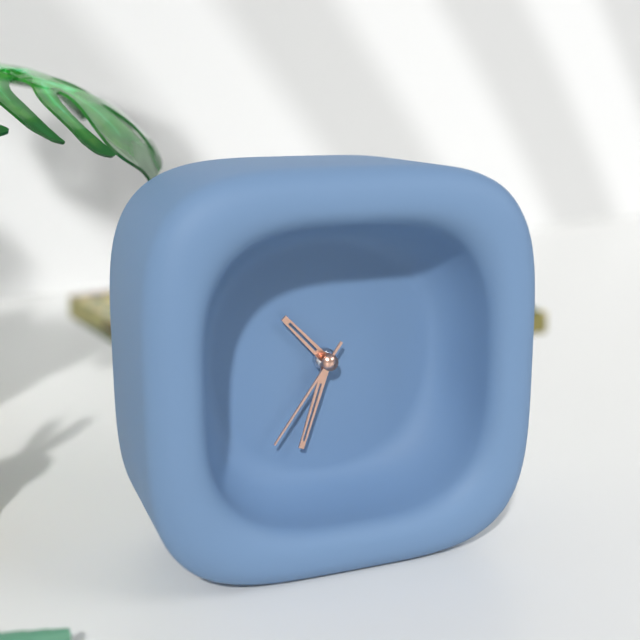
10:33:36
